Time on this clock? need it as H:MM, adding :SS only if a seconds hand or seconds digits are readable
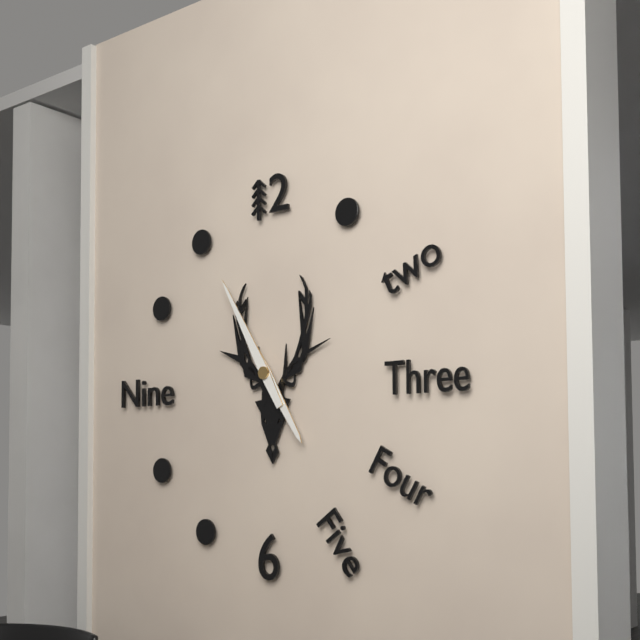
4:55
